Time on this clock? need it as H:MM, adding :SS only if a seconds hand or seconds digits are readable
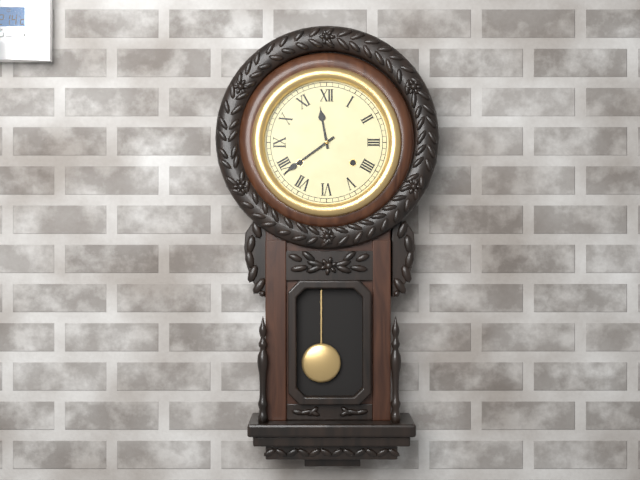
11:39
